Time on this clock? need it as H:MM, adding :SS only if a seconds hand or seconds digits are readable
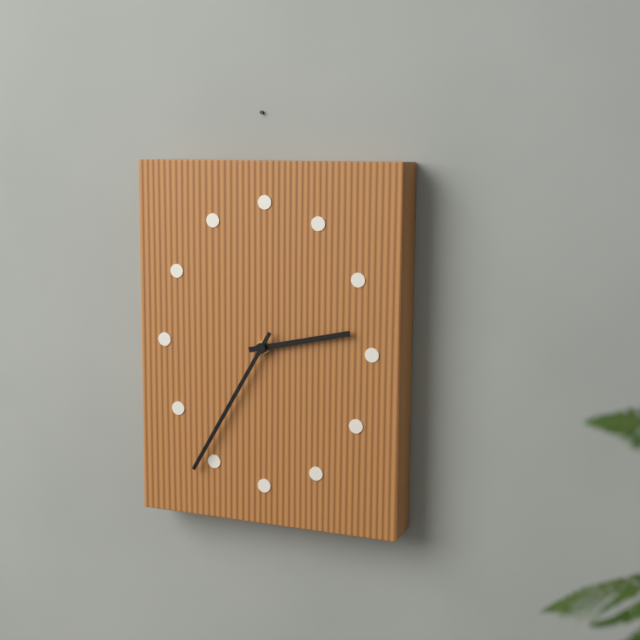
2:35
